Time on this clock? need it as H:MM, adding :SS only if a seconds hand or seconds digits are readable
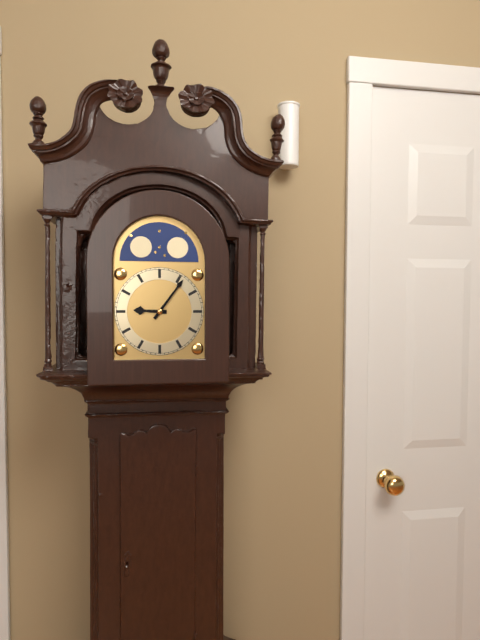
9:06
